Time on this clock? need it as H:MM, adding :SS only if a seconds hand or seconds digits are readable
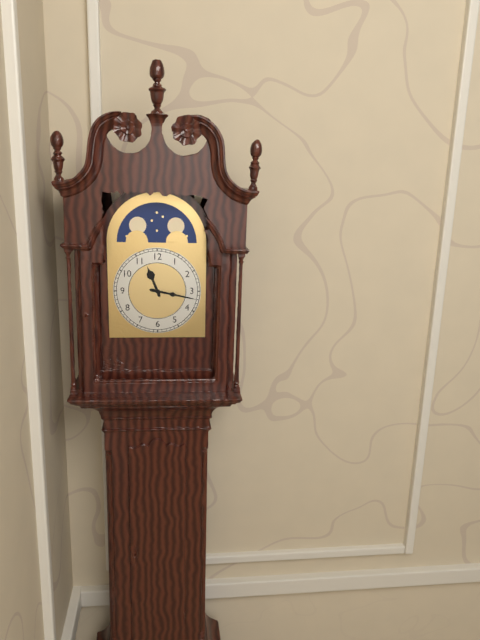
11:17
